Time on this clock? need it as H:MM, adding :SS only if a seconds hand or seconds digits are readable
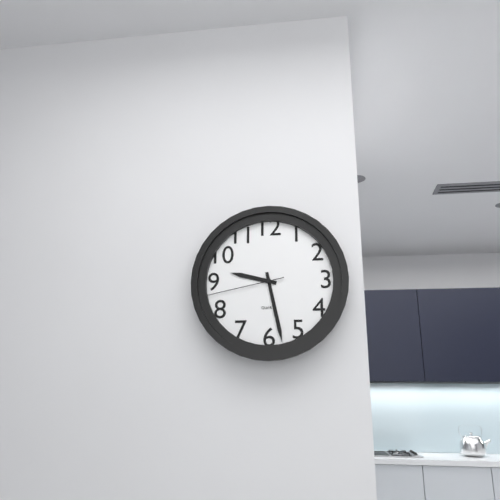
9:28:43
